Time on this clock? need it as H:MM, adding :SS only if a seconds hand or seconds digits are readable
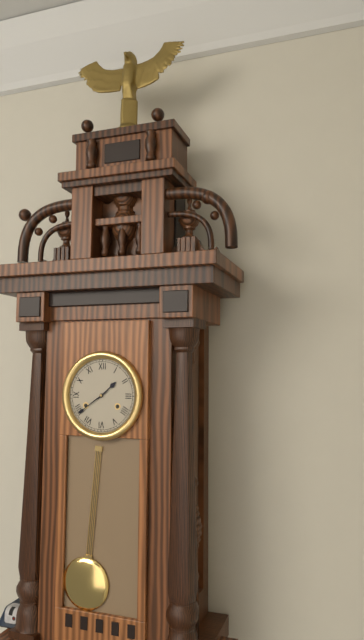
1:39
